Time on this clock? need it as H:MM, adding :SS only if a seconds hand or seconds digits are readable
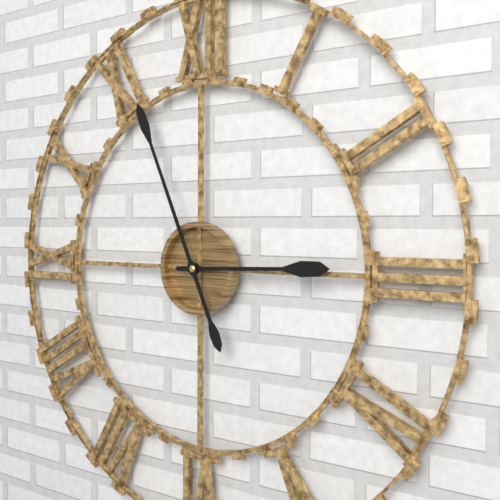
2:56
